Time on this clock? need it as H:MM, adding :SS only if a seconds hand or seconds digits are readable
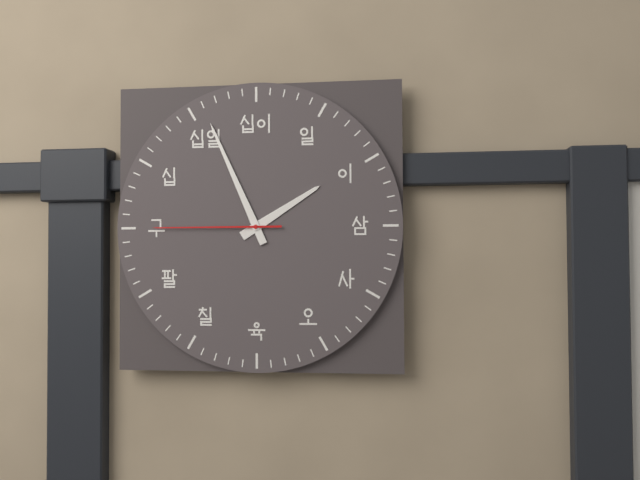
1:56:45
